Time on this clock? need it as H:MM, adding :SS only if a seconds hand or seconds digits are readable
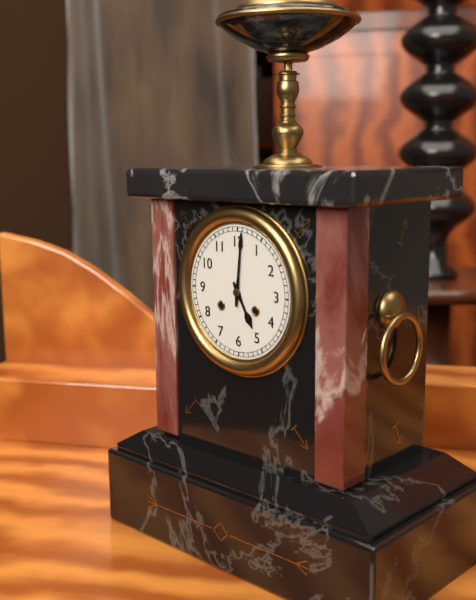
5:01
